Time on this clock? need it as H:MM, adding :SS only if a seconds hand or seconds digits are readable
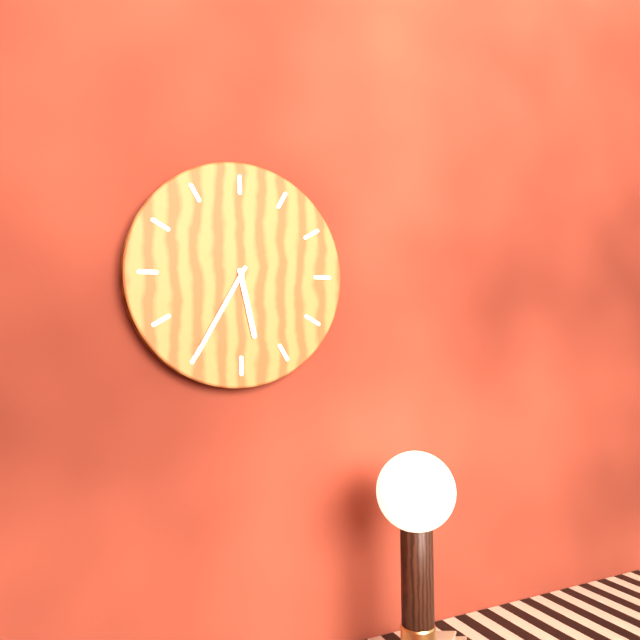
5:35
